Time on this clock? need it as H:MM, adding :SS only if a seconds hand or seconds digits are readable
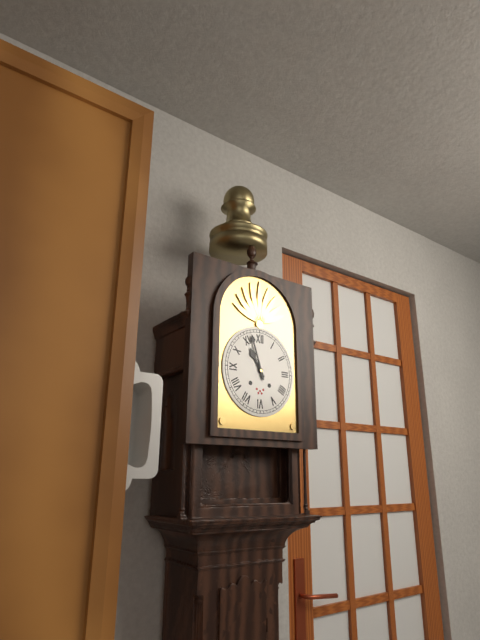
10:57
